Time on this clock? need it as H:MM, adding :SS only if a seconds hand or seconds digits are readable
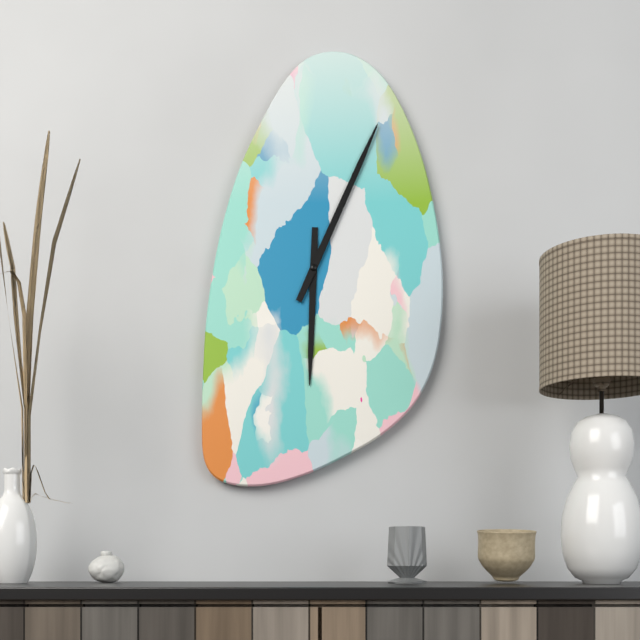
6:04
